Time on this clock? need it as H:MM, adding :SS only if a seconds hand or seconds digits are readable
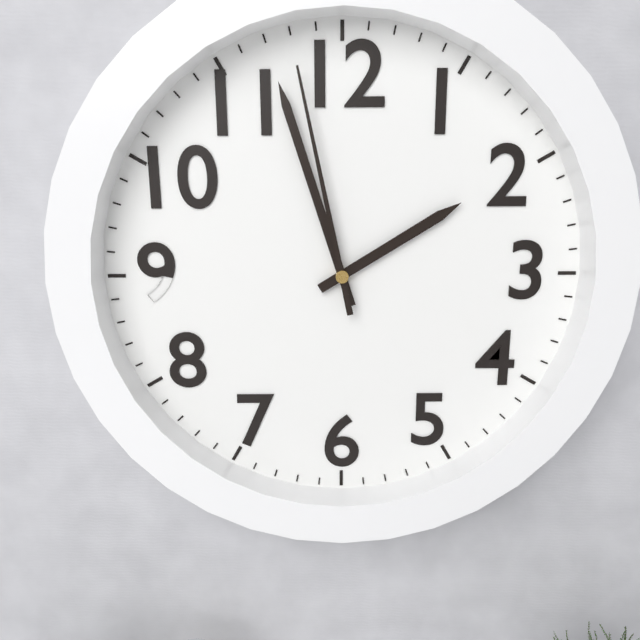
1:57:58
